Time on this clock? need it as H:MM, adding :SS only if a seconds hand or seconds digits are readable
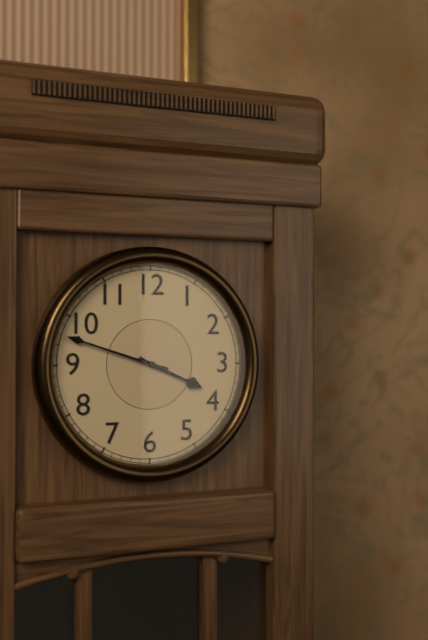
3:48
